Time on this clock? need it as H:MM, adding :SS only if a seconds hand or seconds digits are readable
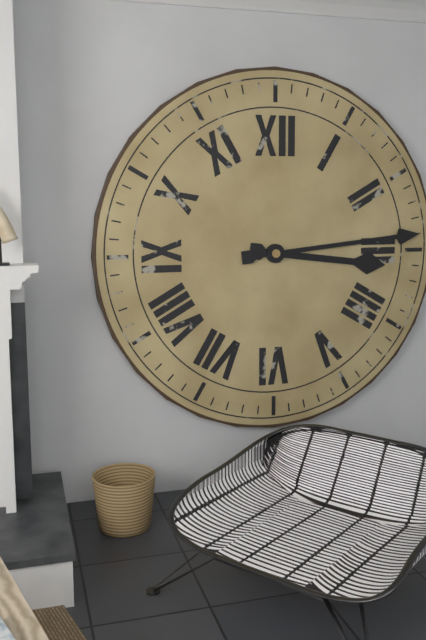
3:14
